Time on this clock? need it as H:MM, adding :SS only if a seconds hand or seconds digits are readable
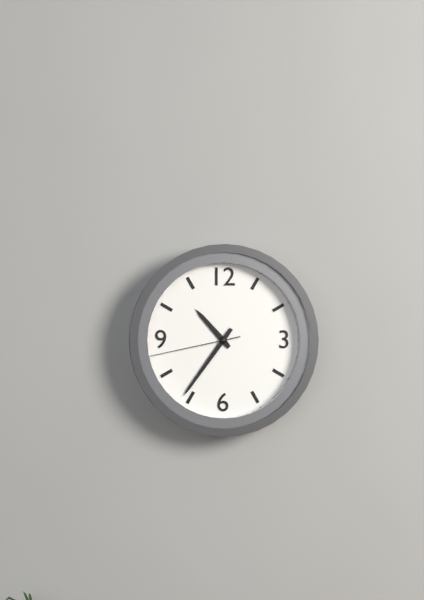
10:36:43
